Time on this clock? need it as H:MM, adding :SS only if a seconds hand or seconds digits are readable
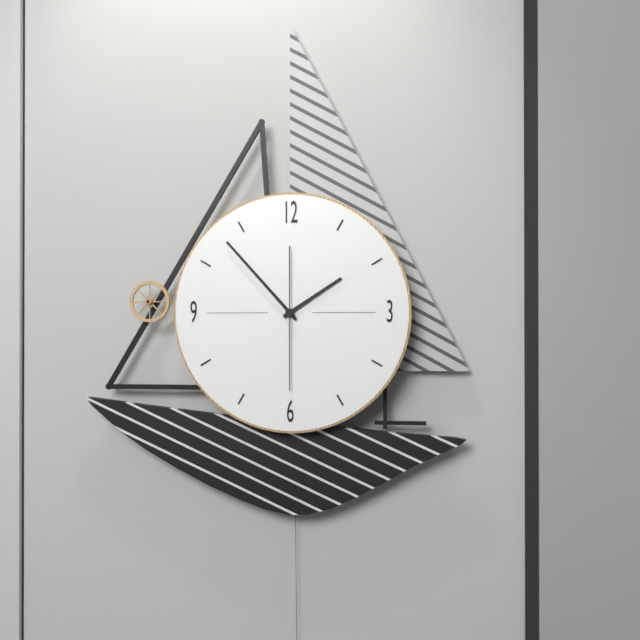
1:53:30
